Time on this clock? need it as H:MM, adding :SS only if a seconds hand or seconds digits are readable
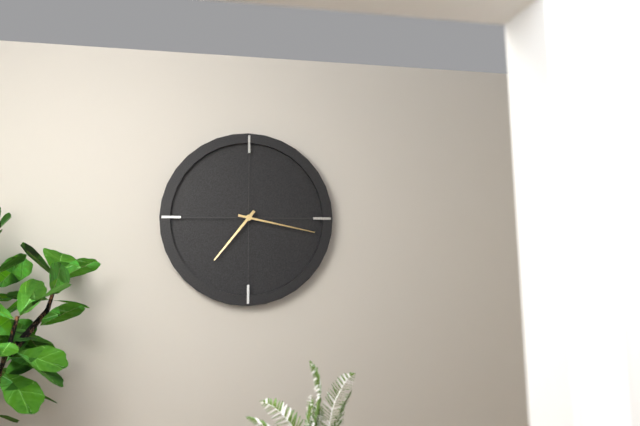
7:17
